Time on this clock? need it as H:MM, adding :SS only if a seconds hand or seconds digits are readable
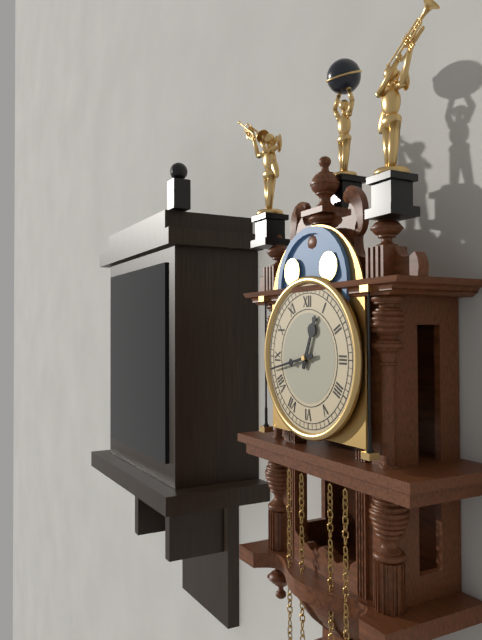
12:43
